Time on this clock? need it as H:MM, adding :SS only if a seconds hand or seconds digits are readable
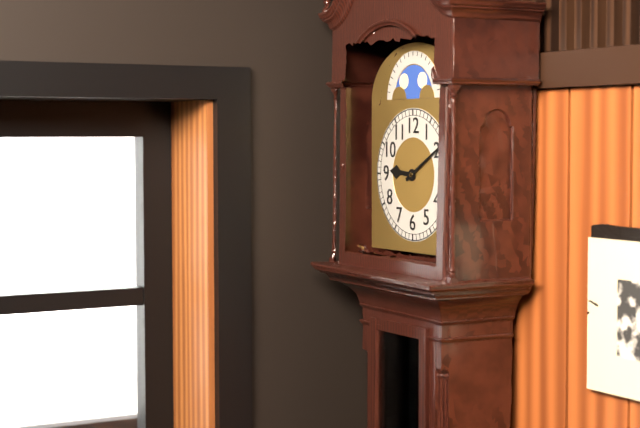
9:10
